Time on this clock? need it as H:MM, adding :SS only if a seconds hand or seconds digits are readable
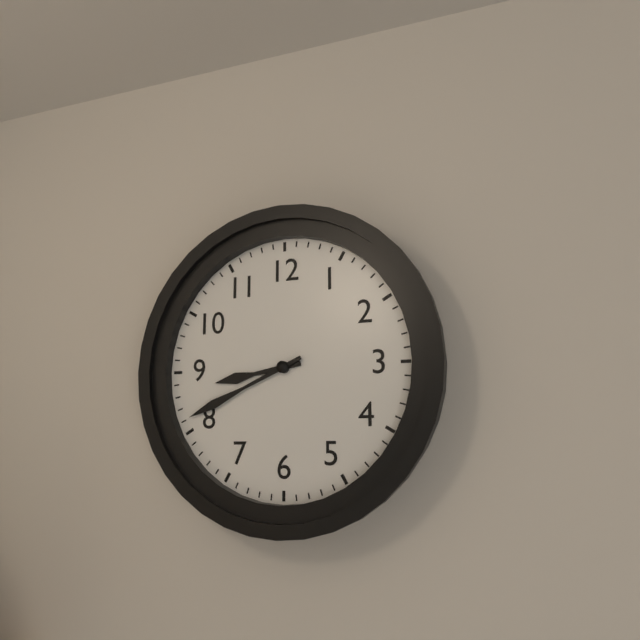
8:41
